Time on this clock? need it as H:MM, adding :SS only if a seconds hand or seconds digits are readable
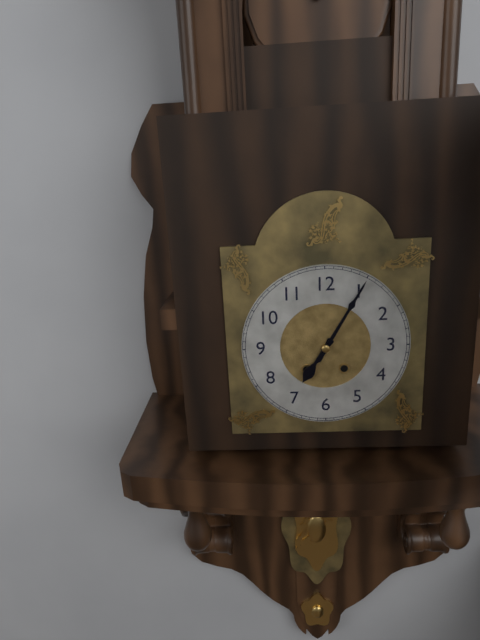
7:05
